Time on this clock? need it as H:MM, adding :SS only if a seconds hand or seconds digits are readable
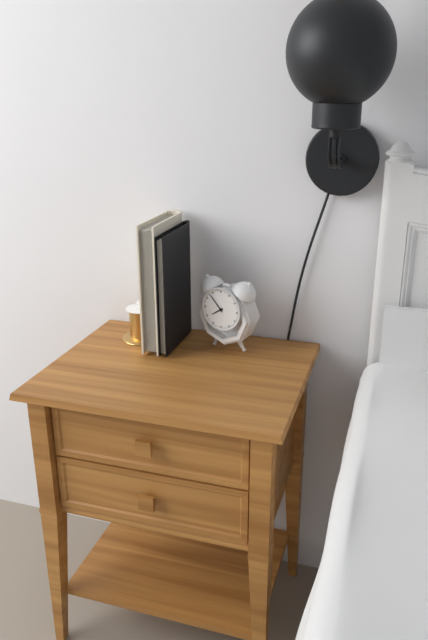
7:53
